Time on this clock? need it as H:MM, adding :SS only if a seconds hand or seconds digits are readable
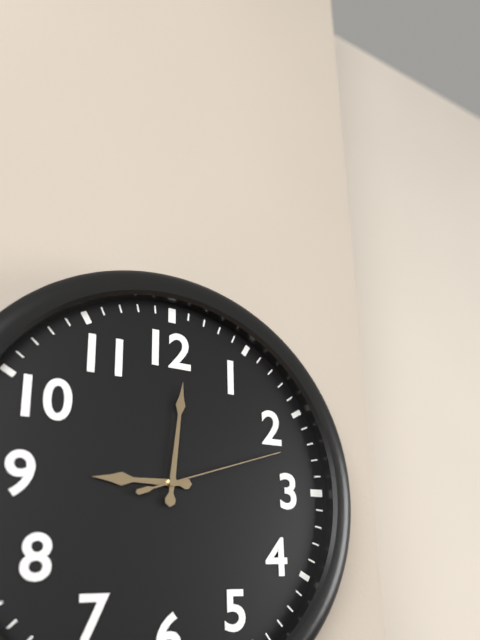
9:01:12
